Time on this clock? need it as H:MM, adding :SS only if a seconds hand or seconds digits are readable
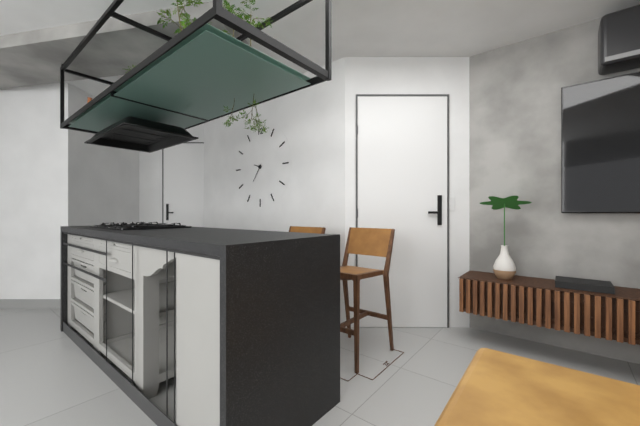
9:36
